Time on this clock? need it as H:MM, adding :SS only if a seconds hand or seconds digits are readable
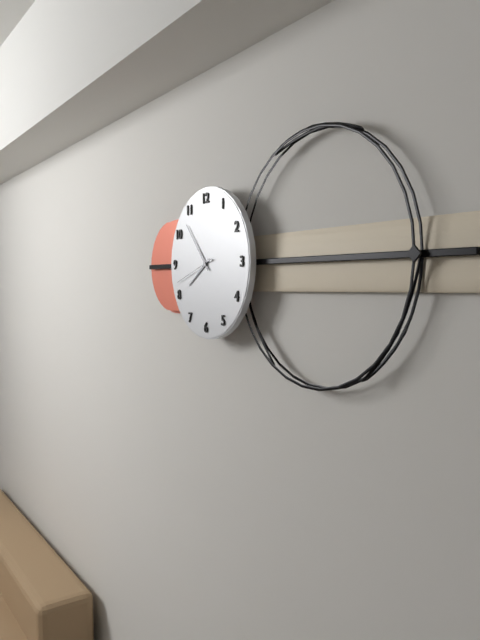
7:53
